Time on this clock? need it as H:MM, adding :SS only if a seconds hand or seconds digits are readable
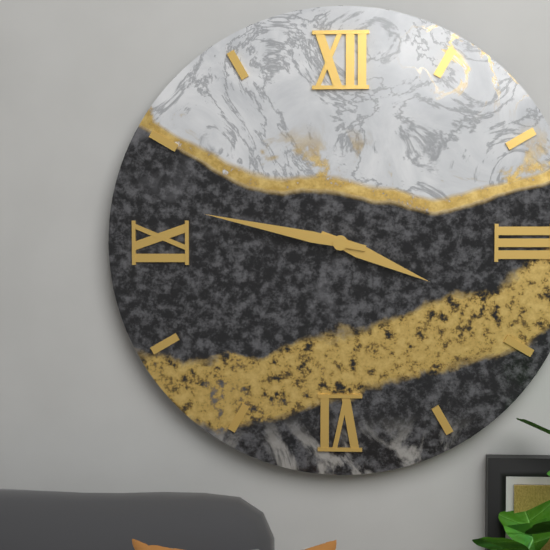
3:47
